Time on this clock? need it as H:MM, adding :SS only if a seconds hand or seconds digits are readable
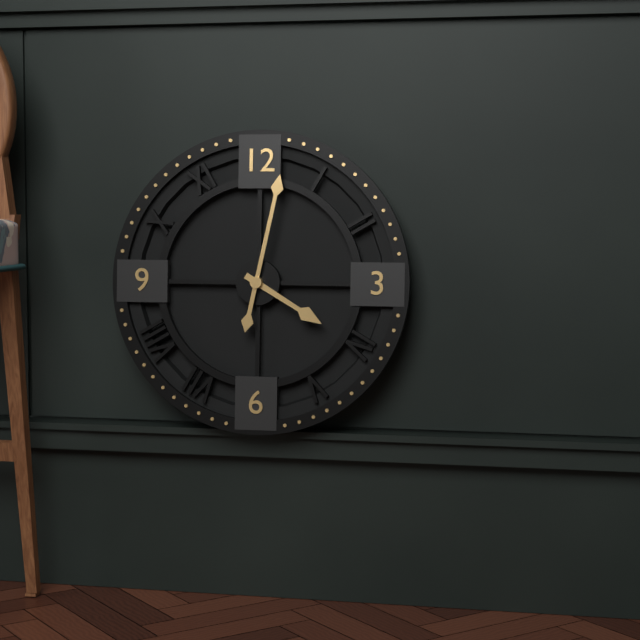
4:02
